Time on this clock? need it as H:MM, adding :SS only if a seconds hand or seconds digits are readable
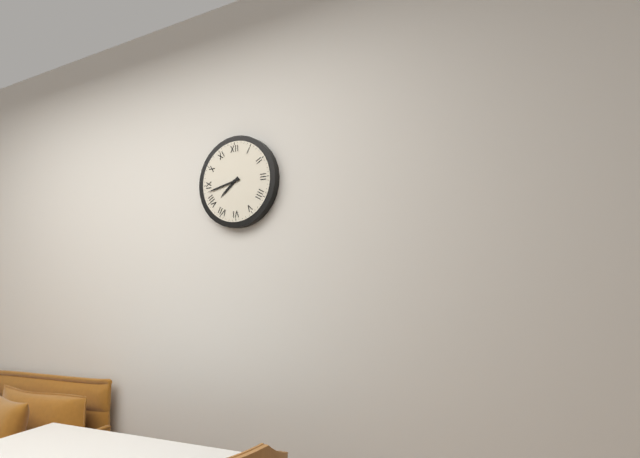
7:43
